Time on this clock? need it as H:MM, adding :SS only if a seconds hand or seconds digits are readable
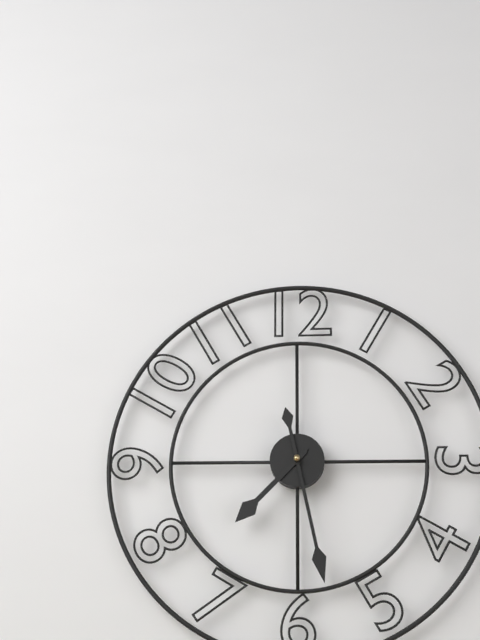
7:28
